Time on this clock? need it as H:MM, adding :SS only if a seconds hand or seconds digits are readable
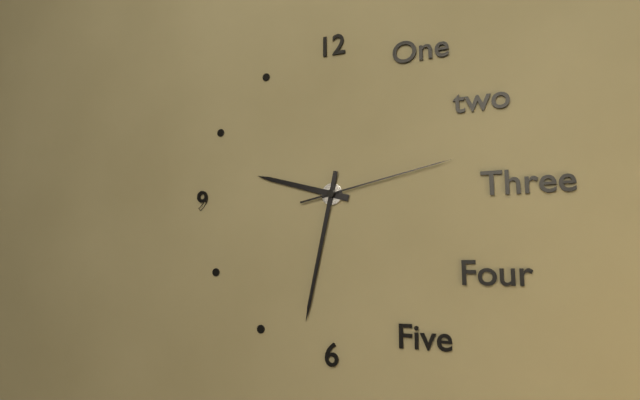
9:32:13
